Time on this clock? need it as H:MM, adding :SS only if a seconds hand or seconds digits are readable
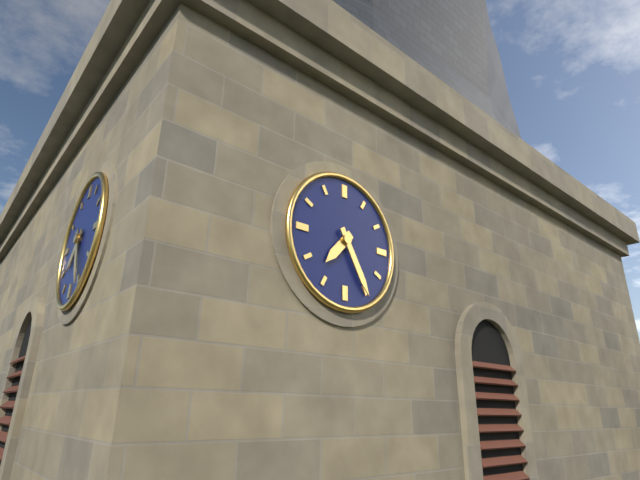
7:25
